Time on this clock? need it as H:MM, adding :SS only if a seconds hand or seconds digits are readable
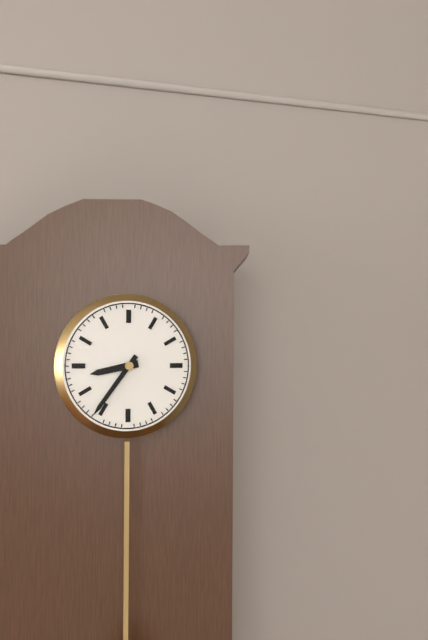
8:36
